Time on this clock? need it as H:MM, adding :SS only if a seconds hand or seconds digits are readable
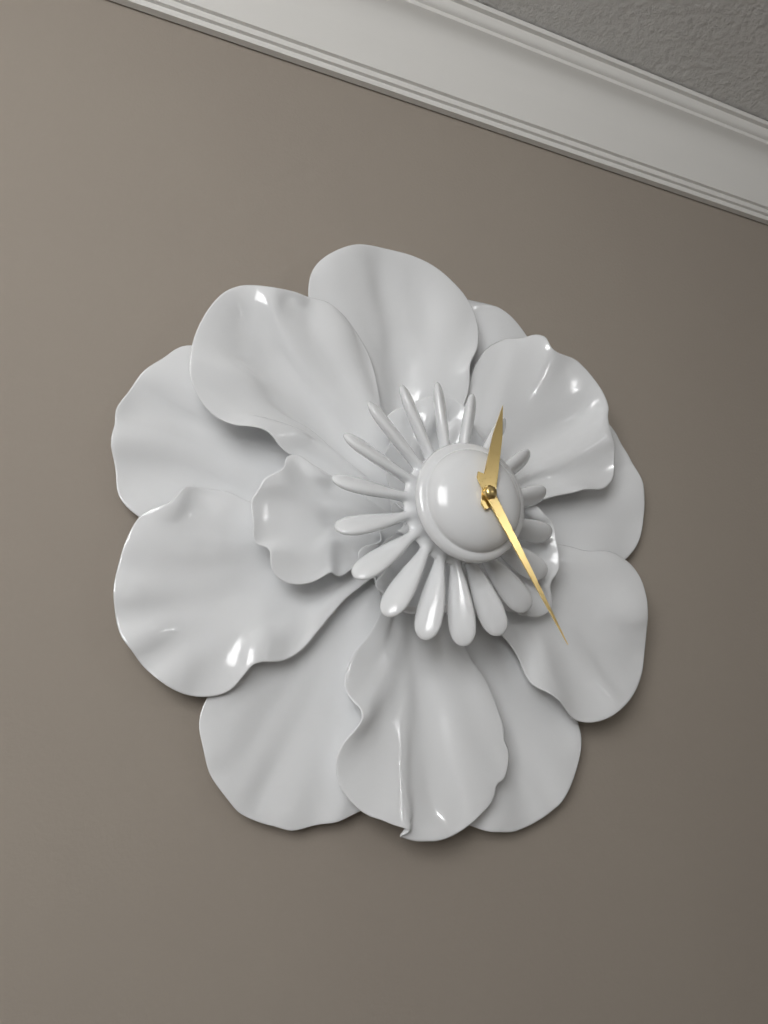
12:25
